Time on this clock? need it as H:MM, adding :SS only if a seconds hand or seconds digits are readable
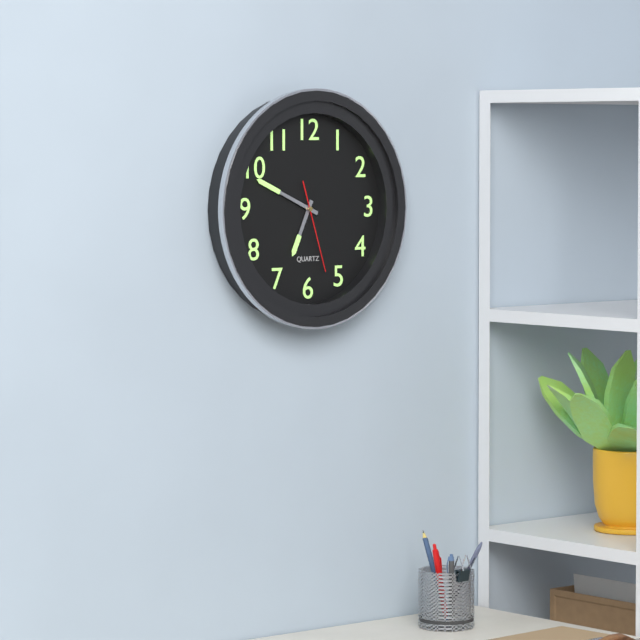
6:49:27
